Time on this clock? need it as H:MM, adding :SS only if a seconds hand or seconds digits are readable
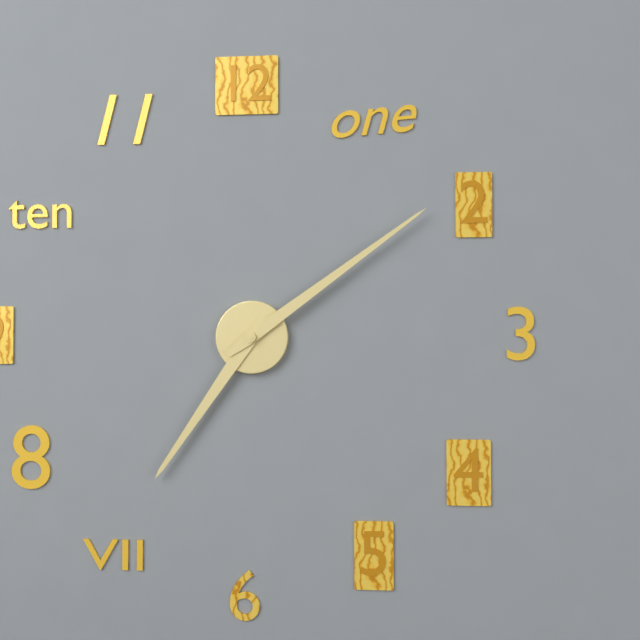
7:09
